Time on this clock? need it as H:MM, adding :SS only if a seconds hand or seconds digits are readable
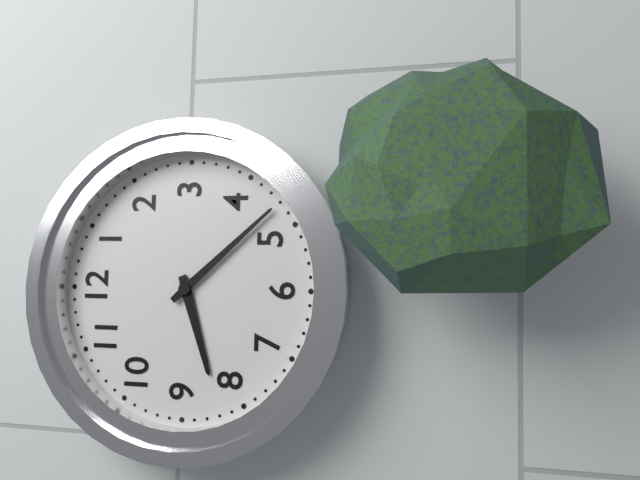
8:23
